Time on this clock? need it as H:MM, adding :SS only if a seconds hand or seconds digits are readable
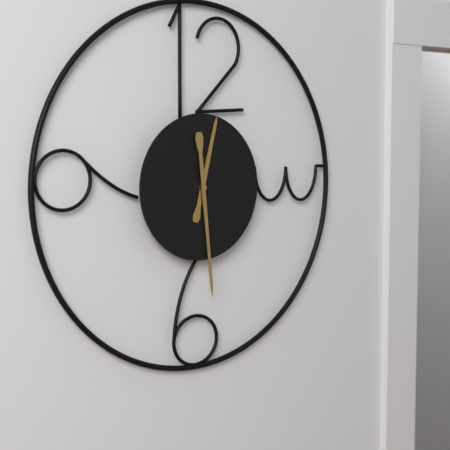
12:29
